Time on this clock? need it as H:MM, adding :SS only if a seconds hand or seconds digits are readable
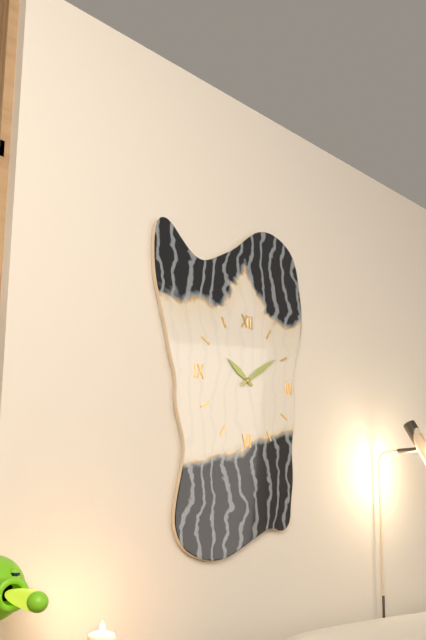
10:09
